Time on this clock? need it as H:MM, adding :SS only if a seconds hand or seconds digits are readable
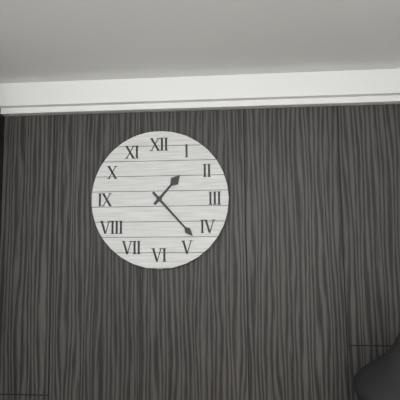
1:23
